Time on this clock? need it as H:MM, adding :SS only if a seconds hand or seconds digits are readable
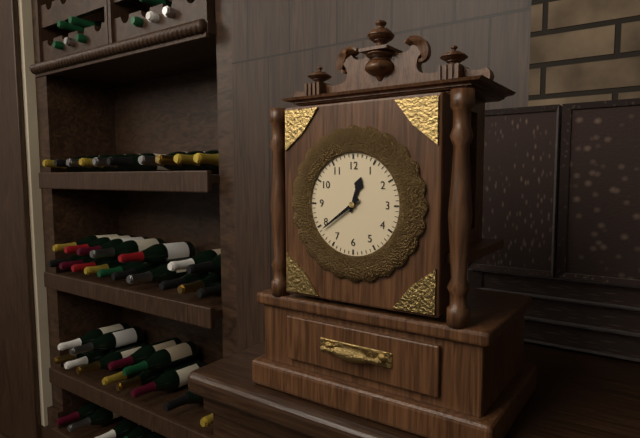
12:39
